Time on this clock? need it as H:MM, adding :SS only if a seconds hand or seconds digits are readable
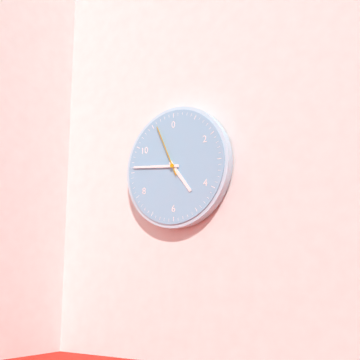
4:46:56
